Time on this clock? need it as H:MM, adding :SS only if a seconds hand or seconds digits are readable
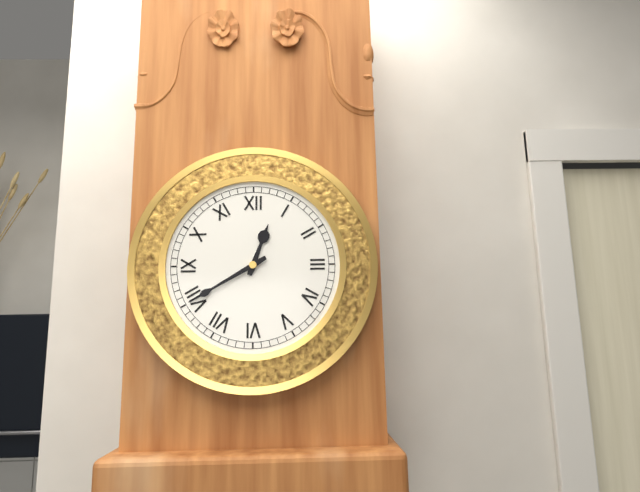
12:40
